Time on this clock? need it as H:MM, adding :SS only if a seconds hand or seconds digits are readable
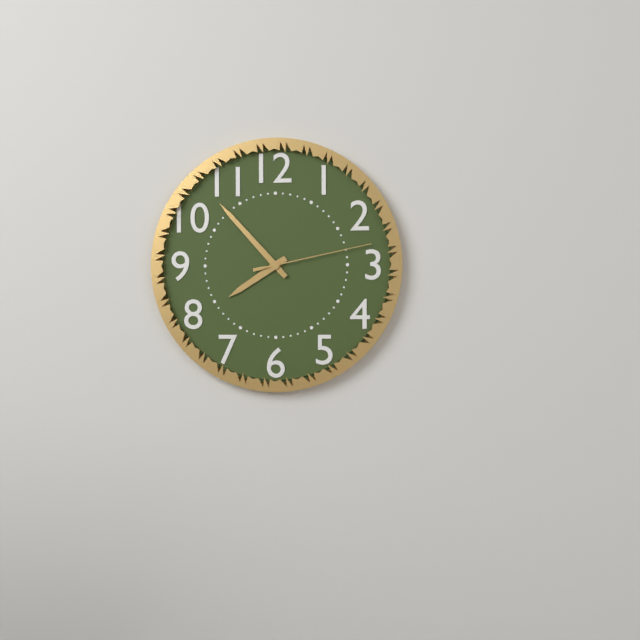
7:53:13
